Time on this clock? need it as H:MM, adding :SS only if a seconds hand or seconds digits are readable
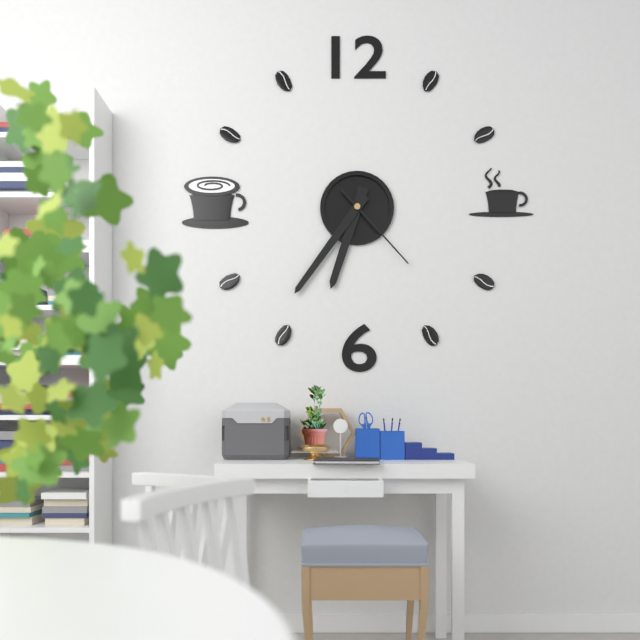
6:36:23
